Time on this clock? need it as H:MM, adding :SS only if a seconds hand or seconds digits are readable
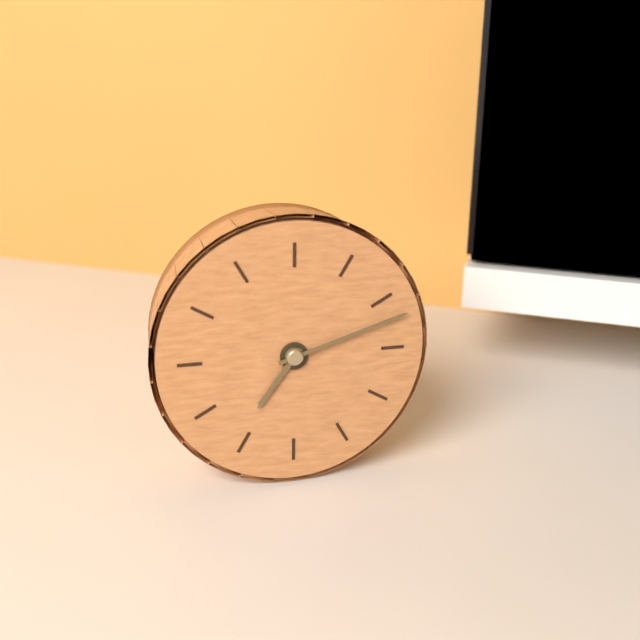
7:12
